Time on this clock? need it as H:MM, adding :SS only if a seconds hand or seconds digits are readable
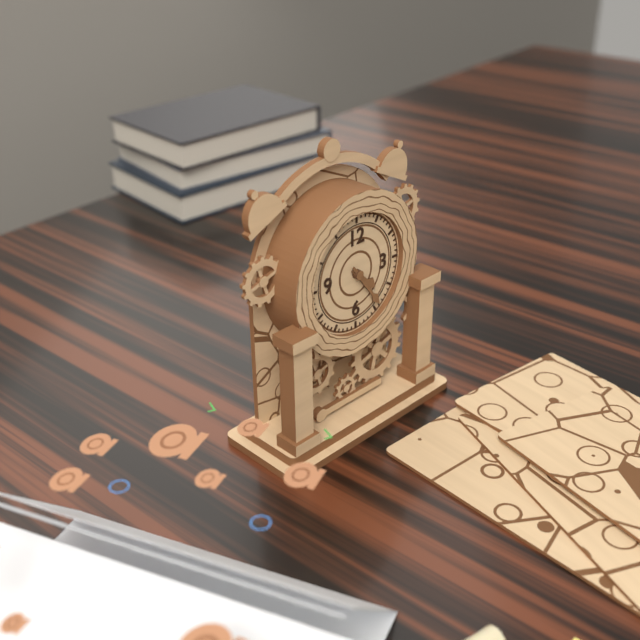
4:24
